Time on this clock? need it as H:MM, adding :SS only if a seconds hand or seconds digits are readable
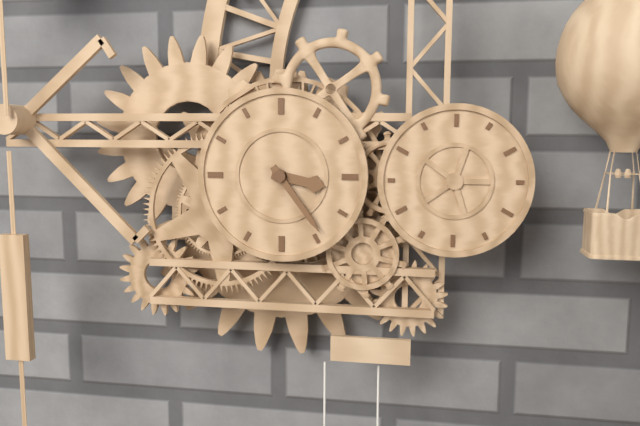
3:24
